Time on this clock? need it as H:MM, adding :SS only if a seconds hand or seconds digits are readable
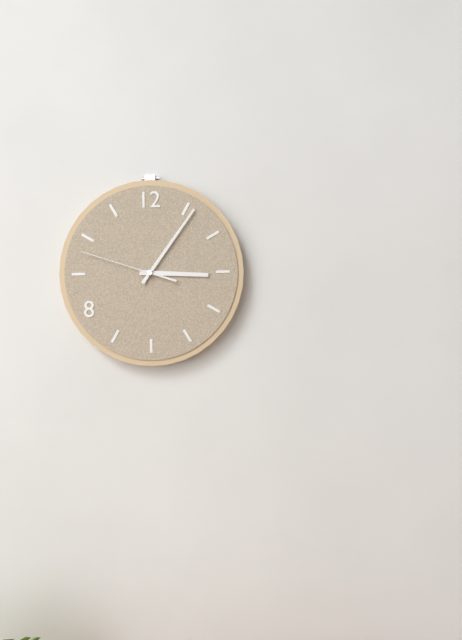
3:06:48
